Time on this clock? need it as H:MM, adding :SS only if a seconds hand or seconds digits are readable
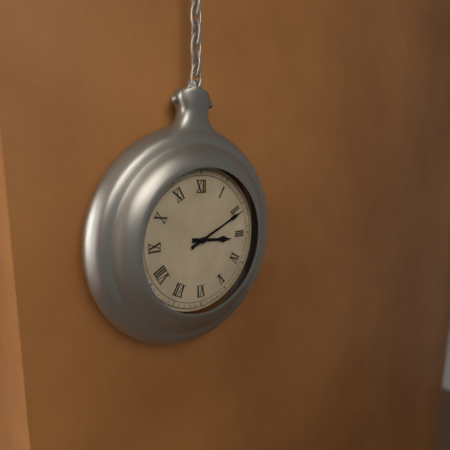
3:11
